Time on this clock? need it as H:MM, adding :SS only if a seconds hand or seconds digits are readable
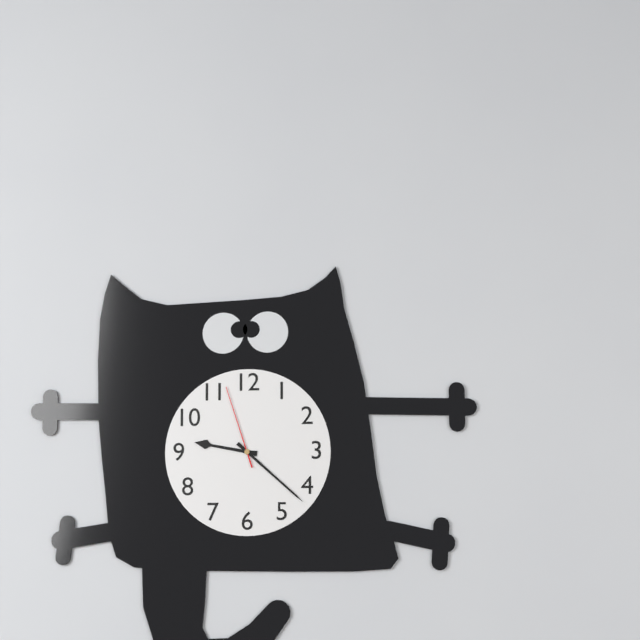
9:22:57
